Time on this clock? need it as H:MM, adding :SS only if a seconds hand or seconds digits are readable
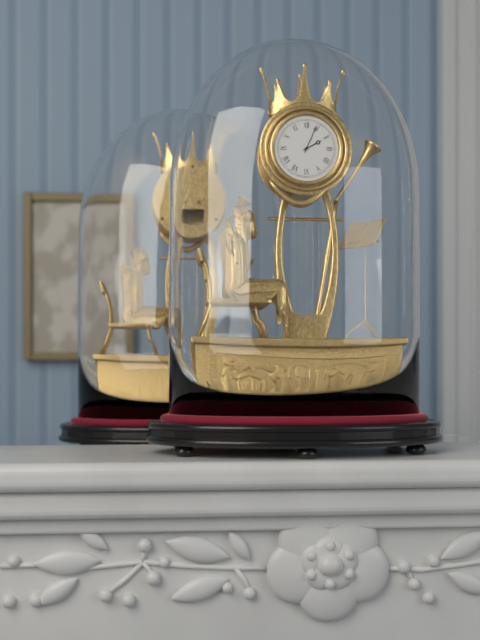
2:04
